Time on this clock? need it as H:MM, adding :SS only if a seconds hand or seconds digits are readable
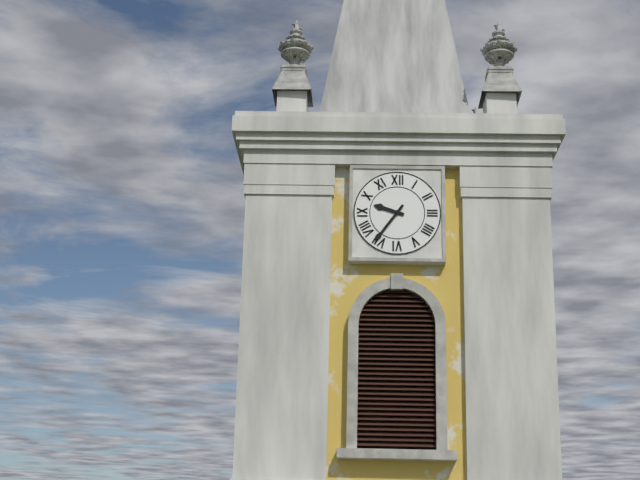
9:36
